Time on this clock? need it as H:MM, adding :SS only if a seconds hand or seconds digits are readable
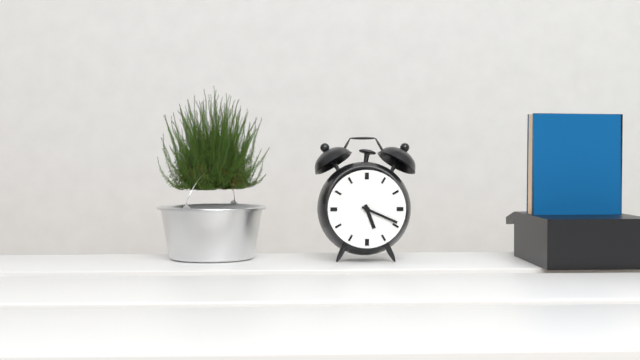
5:19
